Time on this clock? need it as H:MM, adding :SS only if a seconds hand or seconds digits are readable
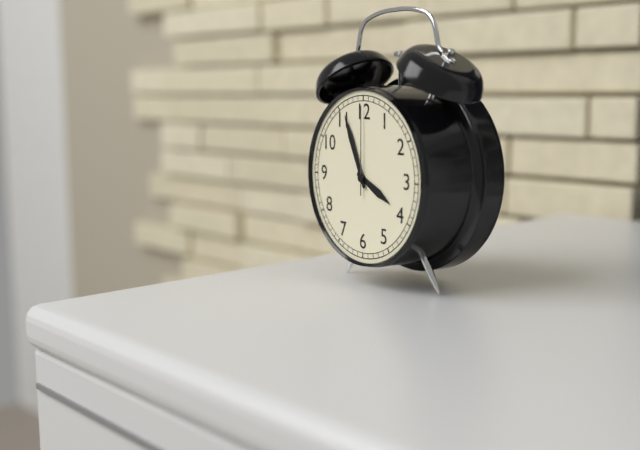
3:56:00
